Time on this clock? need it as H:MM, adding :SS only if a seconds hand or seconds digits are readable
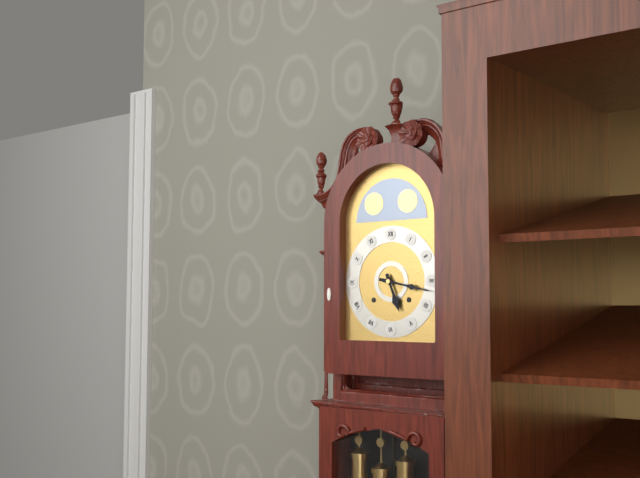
5:17
